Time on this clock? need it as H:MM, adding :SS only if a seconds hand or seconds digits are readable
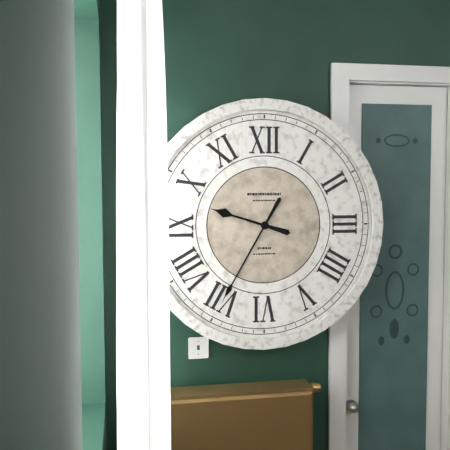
9:35
